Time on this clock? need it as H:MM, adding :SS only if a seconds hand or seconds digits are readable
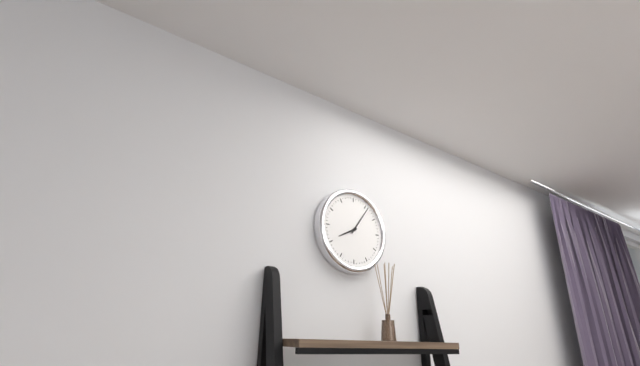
8:06
